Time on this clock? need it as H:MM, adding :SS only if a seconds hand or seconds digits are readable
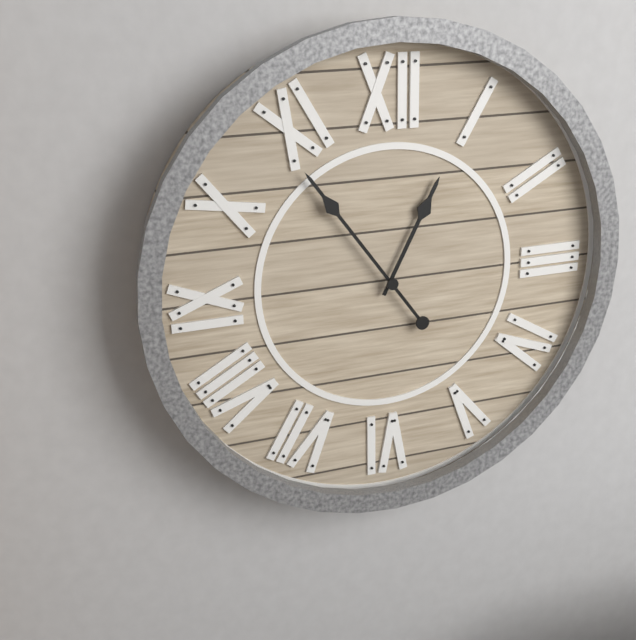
12:54
